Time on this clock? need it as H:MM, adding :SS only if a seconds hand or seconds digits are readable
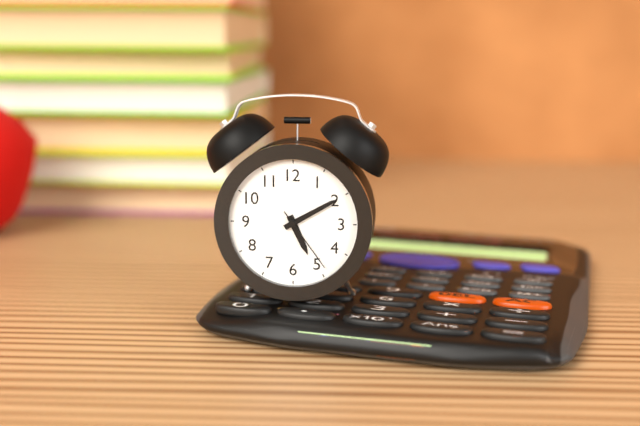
5:10:24
